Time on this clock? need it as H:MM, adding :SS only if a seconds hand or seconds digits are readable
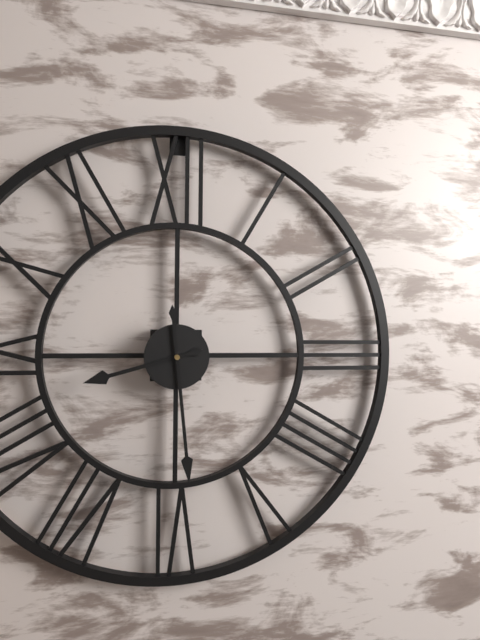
8:29
